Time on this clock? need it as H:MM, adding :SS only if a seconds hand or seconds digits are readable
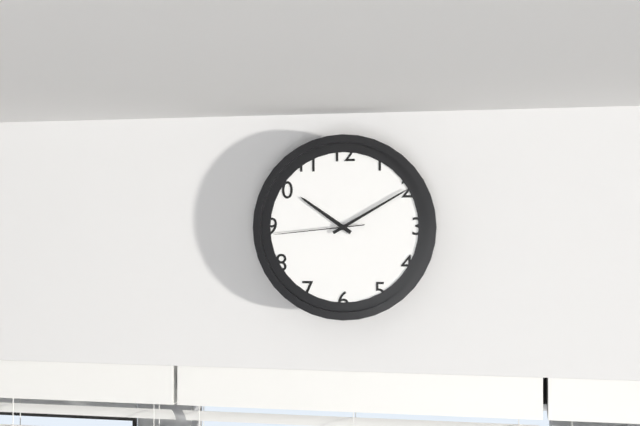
10:10:44
